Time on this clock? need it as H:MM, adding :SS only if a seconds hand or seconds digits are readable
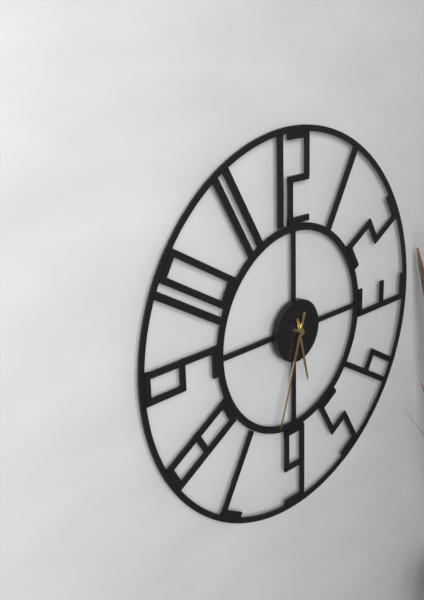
5:33
